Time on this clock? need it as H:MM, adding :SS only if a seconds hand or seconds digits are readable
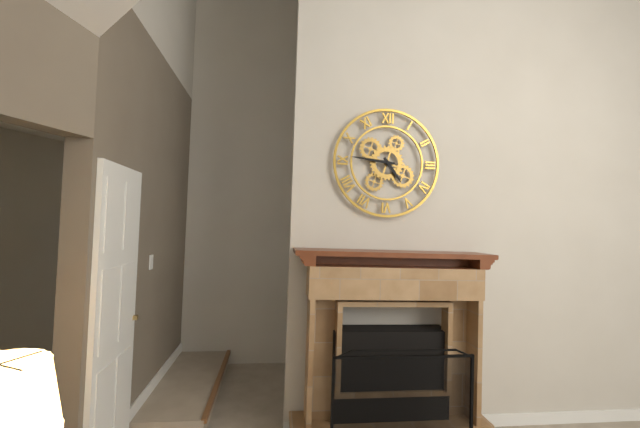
4:46
